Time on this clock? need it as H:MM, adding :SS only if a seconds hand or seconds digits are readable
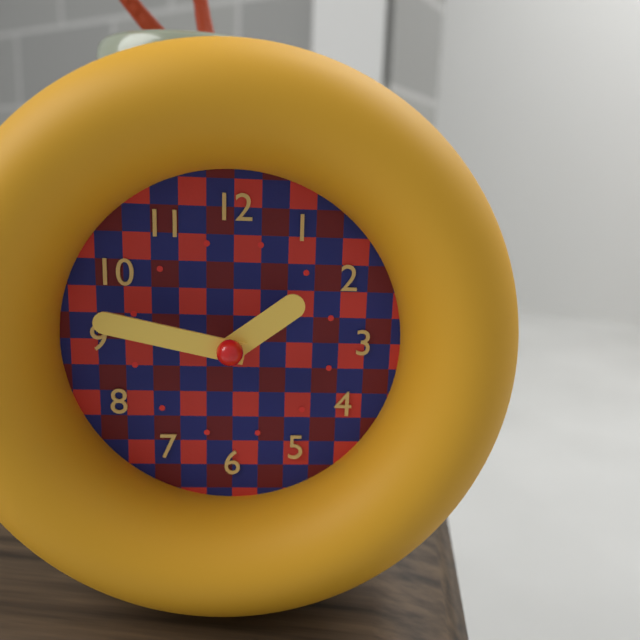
1:47
